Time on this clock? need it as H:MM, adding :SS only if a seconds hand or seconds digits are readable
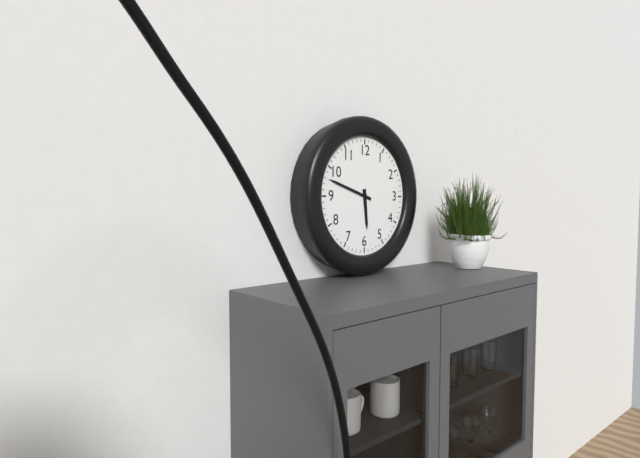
5:48
